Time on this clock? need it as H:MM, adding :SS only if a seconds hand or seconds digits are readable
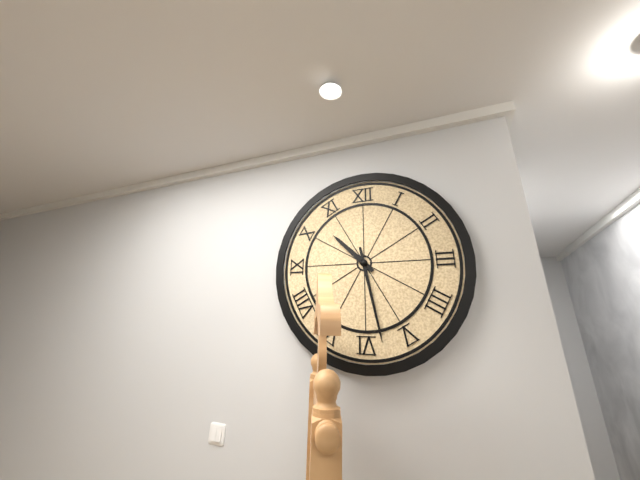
10:28
